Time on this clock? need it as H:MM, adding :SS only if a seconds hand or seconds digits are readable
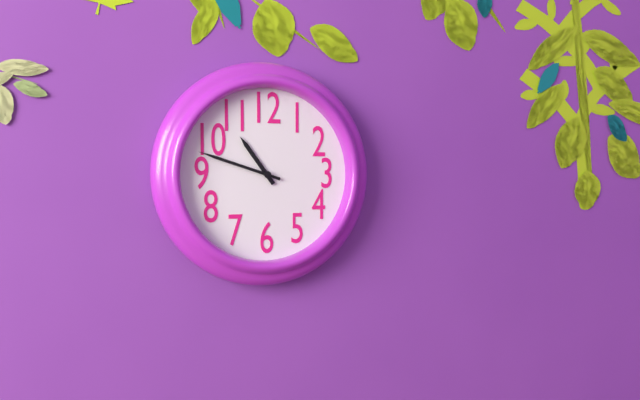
10:48
